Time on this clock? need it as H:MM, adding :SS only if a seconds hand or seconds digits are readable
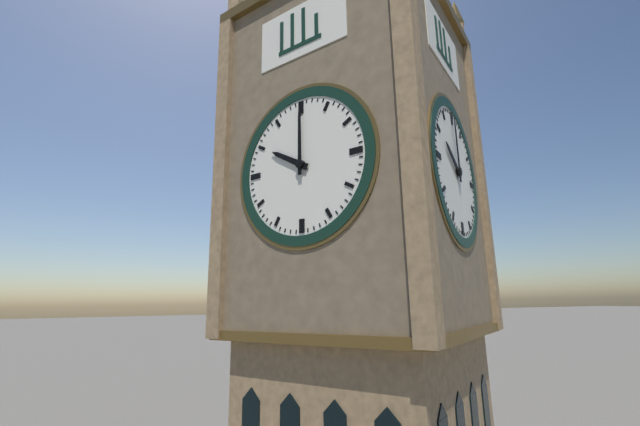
10:00
